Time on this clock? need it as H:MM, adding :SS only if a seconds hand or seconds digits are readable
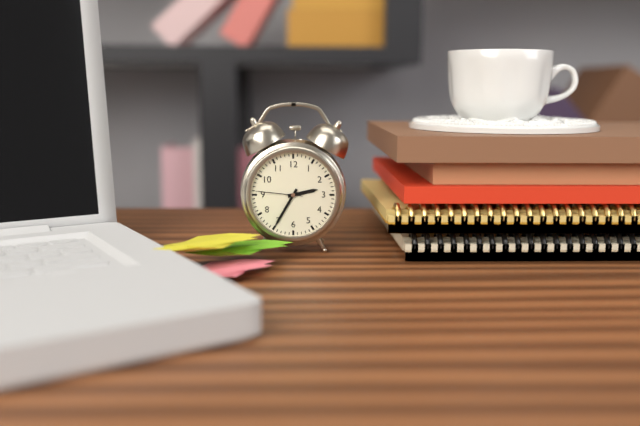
2:35:46
